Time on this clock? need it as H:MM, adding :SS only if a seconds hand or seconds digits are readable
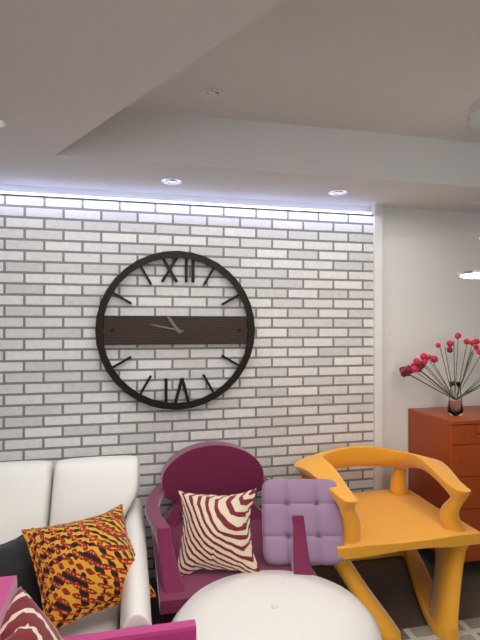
10:47
